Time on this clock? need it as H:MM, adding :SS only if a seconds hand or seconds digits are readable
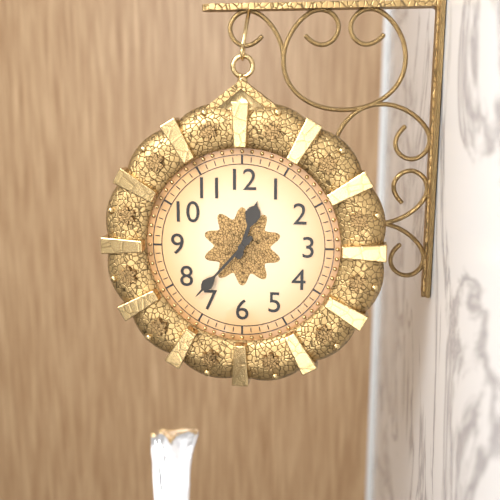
12:37
